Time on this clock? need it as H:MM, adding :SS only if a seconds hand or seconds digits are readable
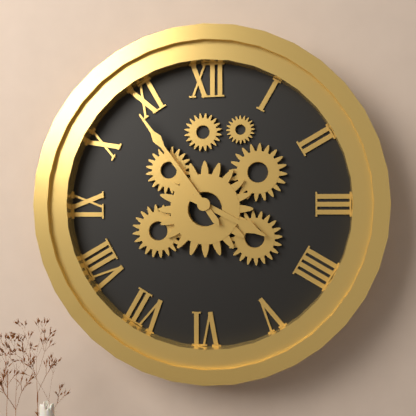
3:54
